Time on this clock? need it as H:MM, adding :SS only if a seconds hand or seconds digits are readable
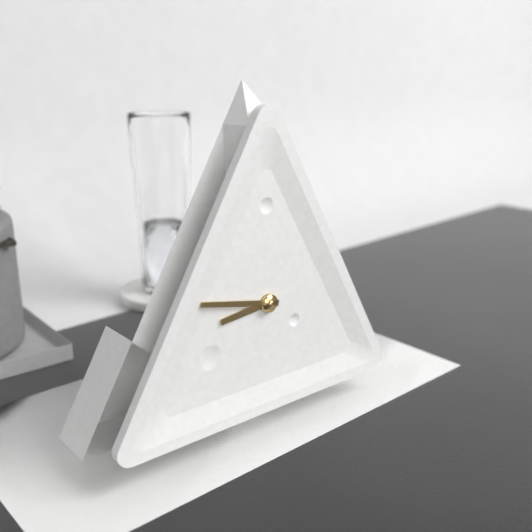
8:47
